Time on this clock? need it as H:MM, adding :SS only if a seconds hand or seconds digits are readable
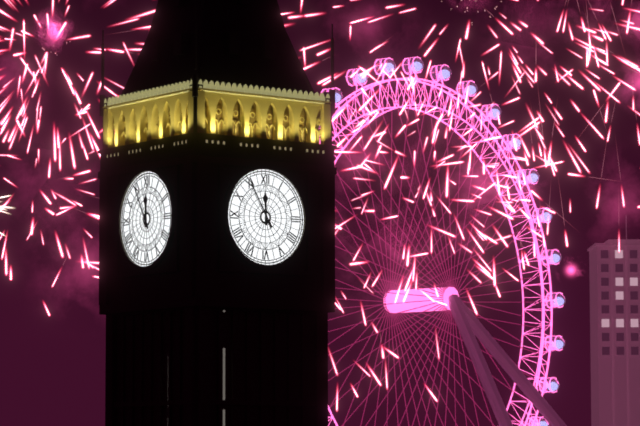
11:55
